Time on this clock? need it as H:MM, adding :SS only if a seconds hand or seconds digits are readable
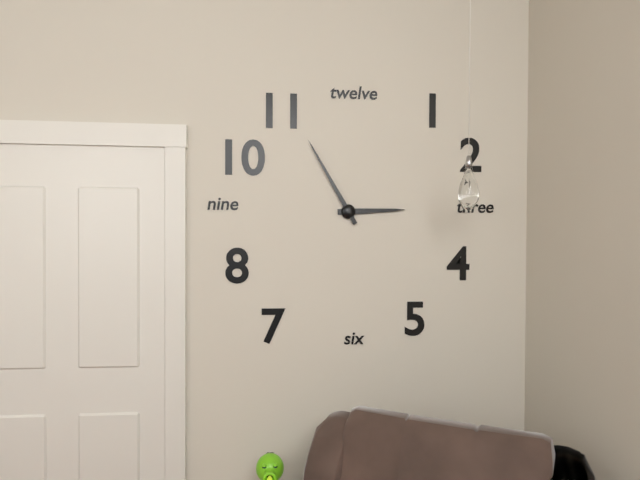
2:55
